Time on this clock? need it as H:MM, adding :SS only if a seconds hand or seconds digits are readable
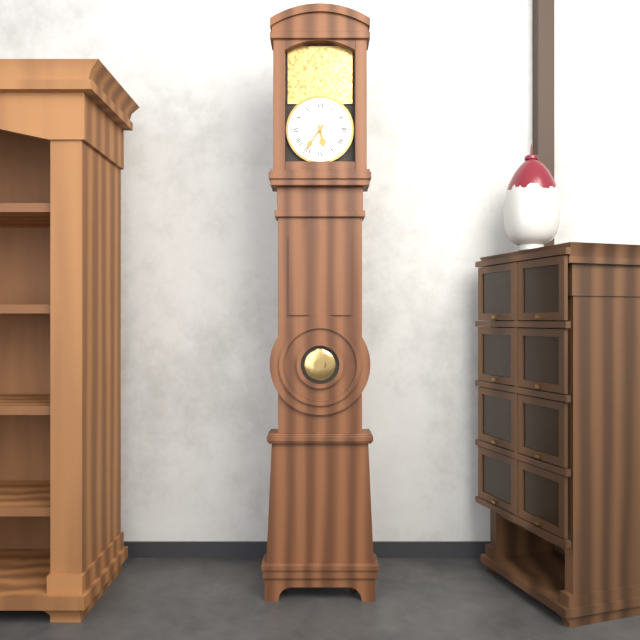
5:36
